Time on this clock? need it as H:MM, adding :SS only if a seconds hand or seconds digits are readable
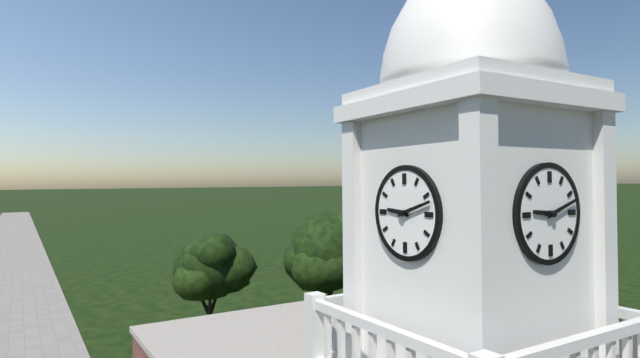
9:12
